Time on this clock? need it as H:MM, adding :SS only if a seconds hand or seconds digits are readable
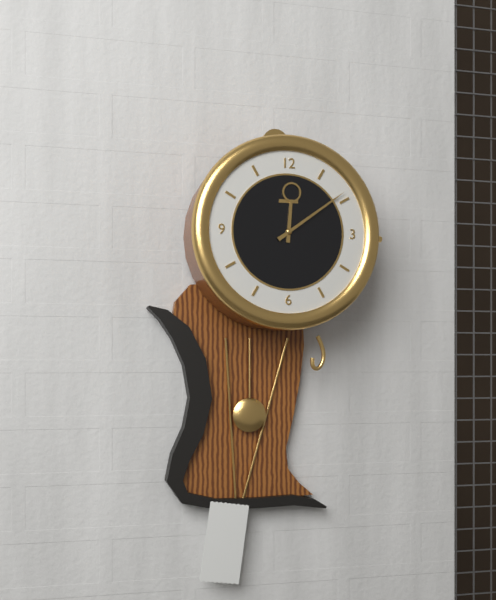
12:09
